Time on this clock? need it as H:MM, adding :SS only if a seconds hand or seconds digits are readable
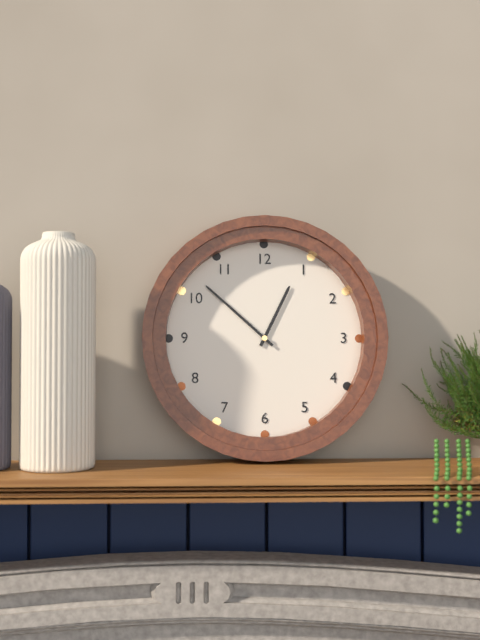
12:52
